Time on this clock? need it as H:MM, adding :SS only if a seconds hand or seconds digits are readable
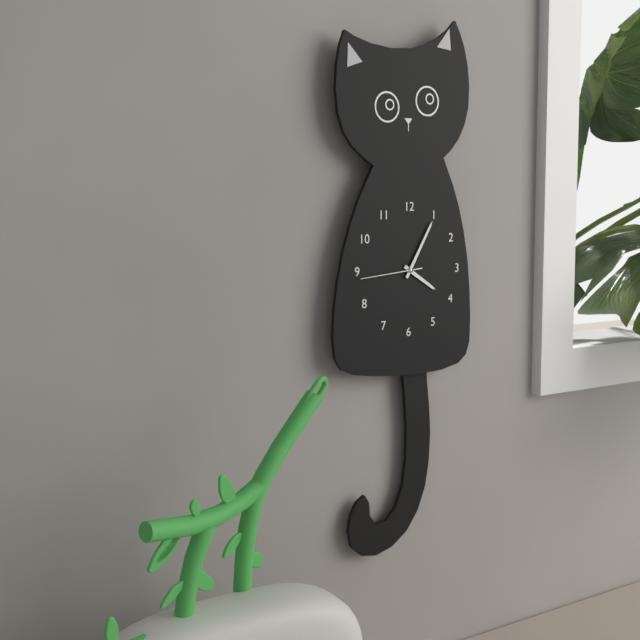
4:05:44
